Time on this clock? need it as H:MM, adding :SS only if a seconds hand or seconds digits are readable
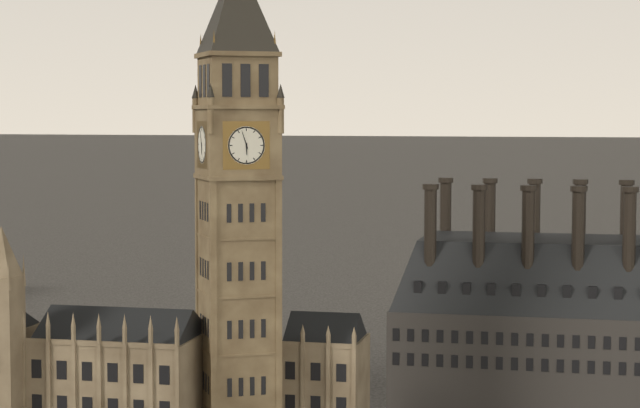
5:57
